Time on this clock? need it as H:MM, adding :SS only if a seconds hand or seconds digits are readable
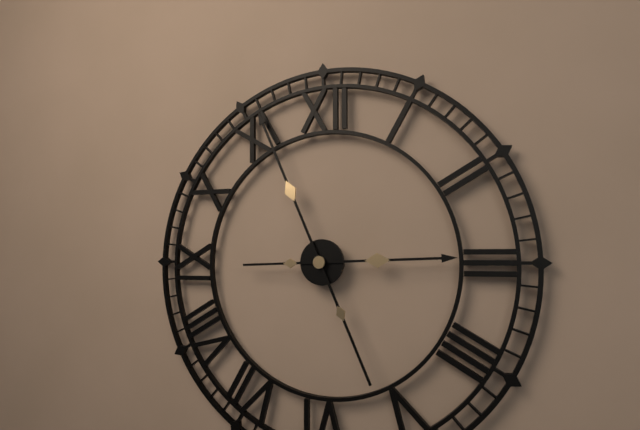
2:56
